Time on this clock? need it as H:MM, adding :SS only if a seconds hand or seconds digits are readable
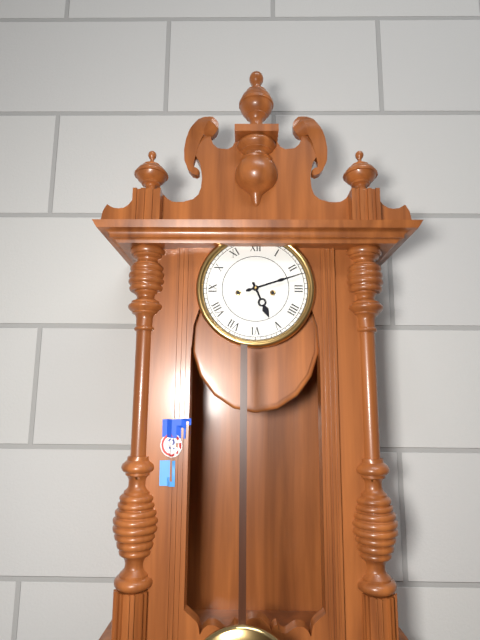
5:12
